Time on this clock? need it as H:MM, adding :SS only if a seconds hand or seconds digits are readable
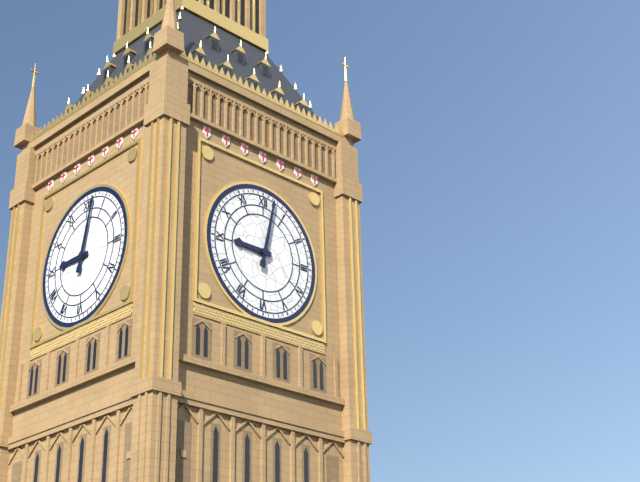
9:02
